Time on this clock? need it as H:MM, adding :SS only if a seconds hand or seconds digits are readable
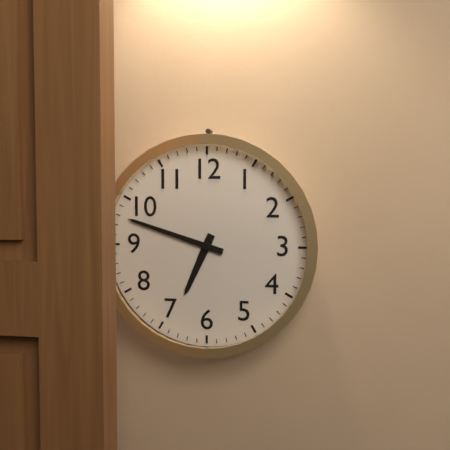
6:48
